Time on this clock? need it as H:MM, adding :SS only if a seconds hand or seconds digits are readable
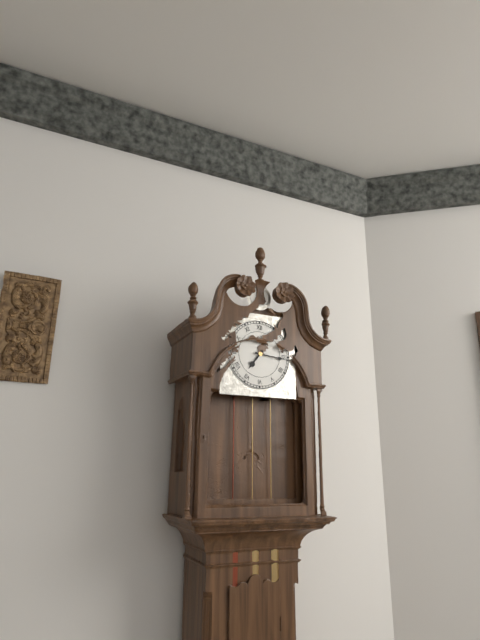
7:16
